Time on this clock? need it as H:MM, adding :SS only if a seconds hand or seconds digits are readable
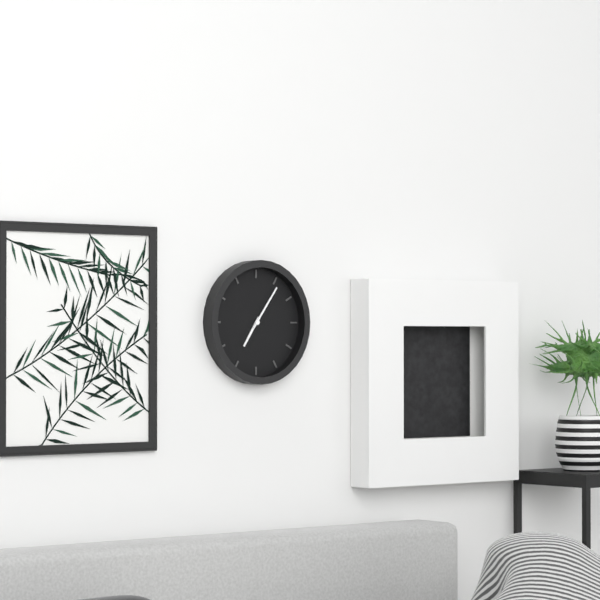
7:06
